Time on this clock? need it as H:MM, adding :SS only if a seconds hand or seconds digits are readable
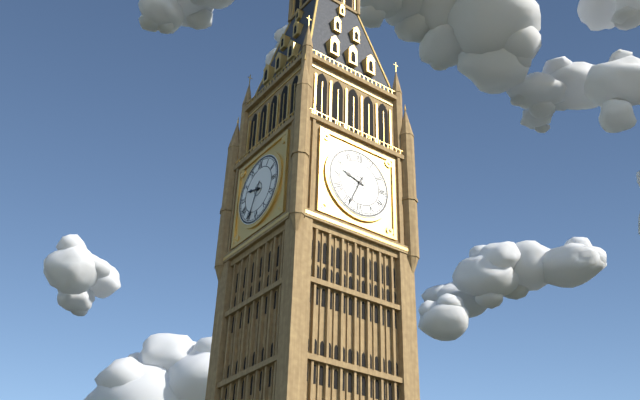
9:34
